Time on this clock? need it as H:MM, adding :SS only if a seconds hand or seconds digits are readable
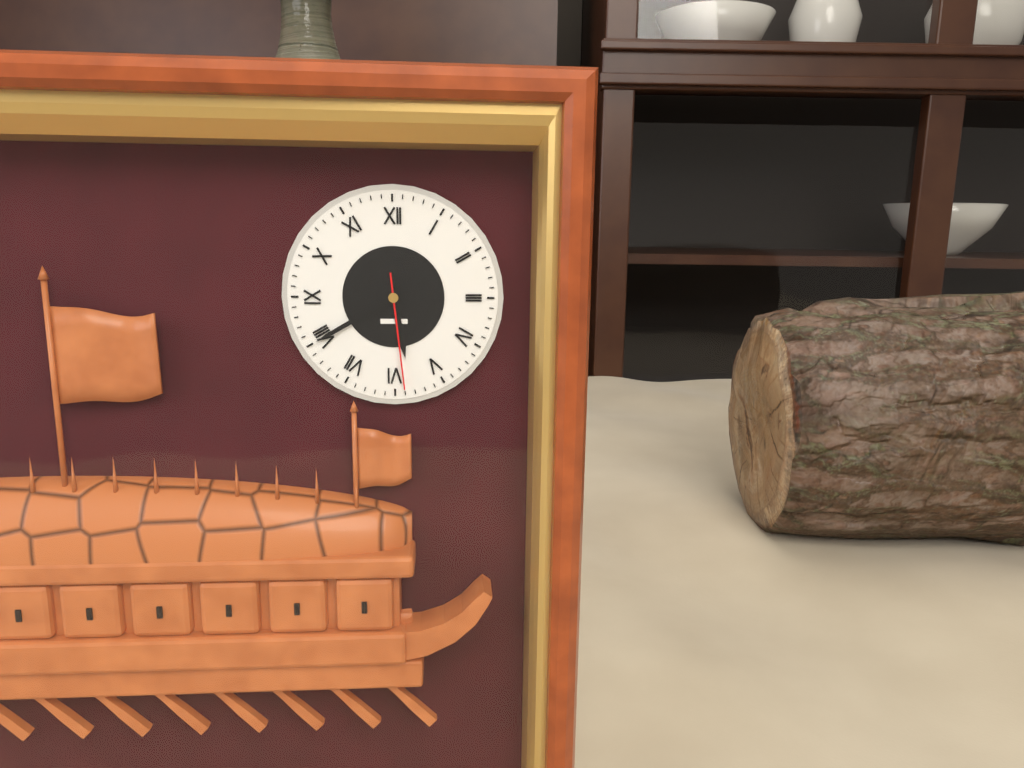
5:40:29
